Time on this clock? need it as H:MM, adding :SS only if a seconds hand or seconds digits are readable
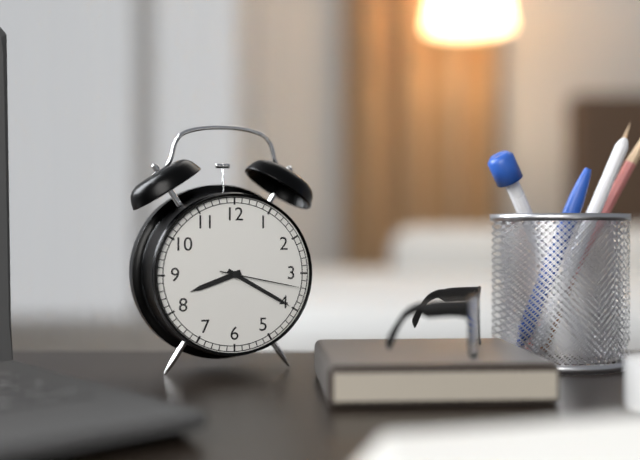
8:20:17
